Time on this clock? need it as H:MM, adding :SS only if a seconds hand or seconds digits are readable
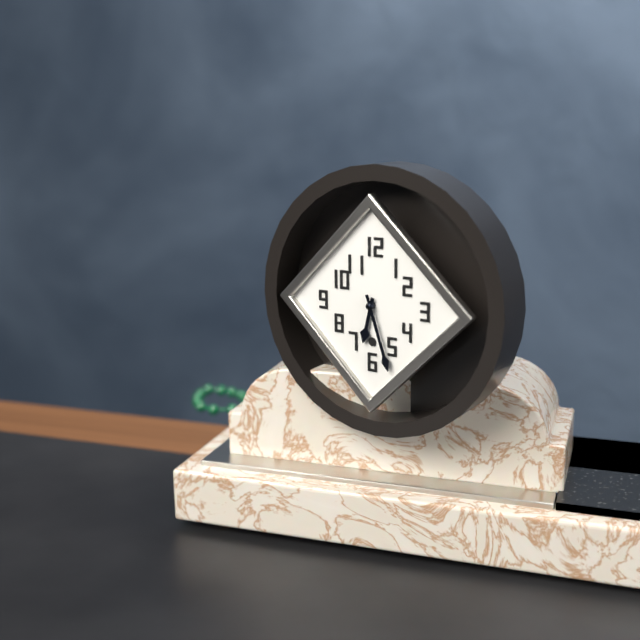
6:27
